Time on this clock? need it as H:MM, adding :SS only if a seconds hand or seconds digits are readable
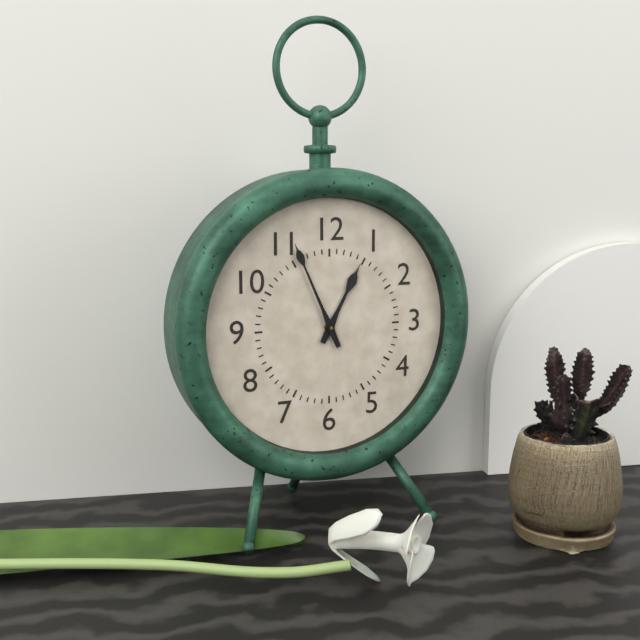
12:56
